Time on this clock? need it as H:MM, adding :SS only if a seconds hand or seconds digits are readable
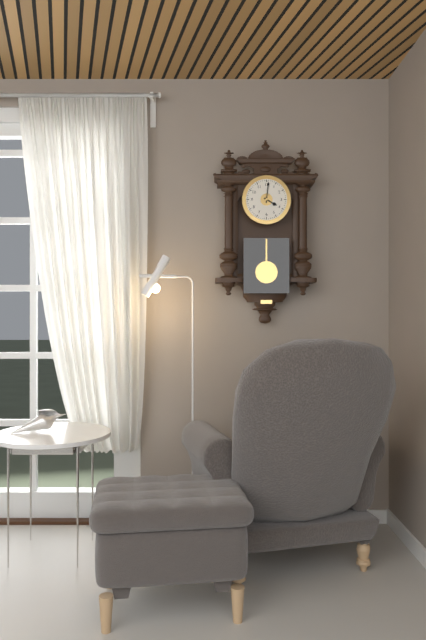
4:01
